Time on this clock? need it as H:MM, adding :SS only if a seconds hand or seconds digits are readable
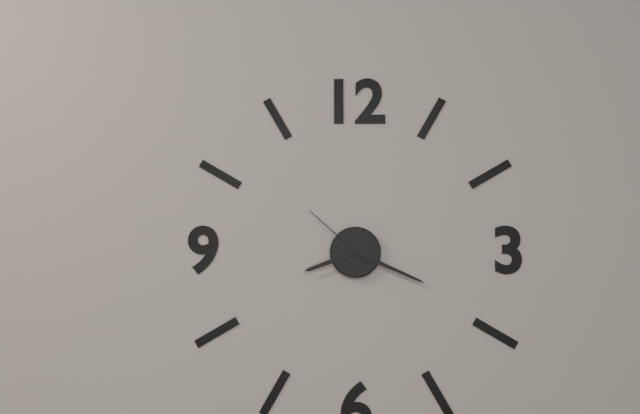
8:19:52
